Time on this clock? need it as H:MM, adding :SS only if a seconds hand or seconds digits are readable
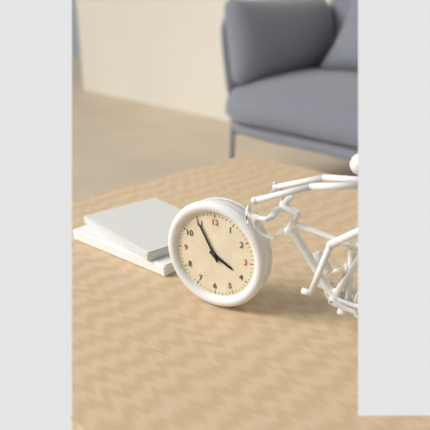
3:55
